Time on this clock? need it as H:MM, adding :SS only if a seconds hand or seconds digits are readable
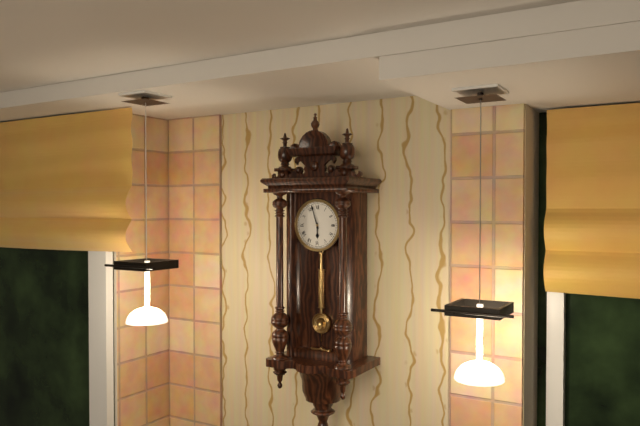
5:57
